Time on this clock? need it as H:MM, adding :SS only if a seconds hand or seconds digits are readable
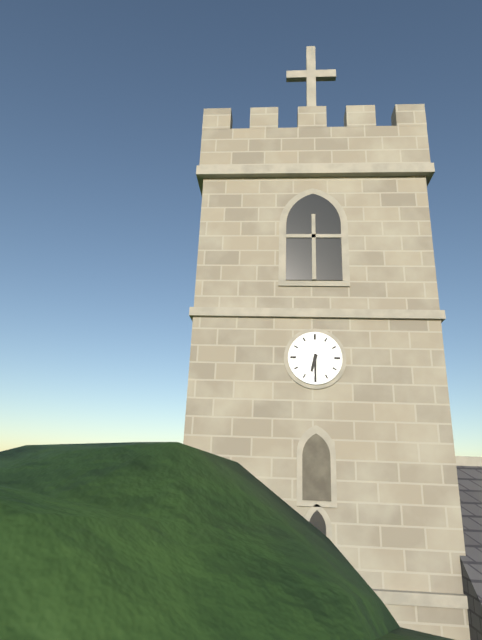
6:30
